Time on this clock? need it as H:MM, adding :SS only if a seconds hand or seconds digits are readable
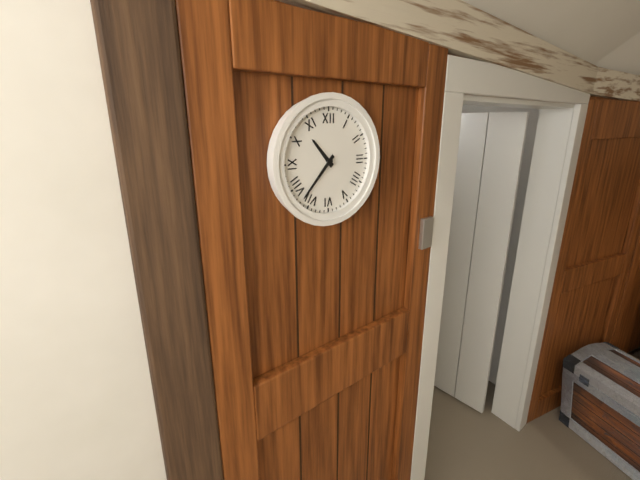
10:37
